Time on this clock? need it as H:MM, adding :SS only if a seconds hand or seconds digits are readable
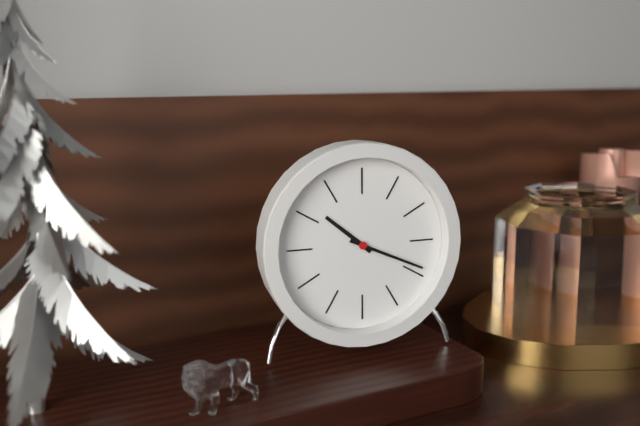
10:19
